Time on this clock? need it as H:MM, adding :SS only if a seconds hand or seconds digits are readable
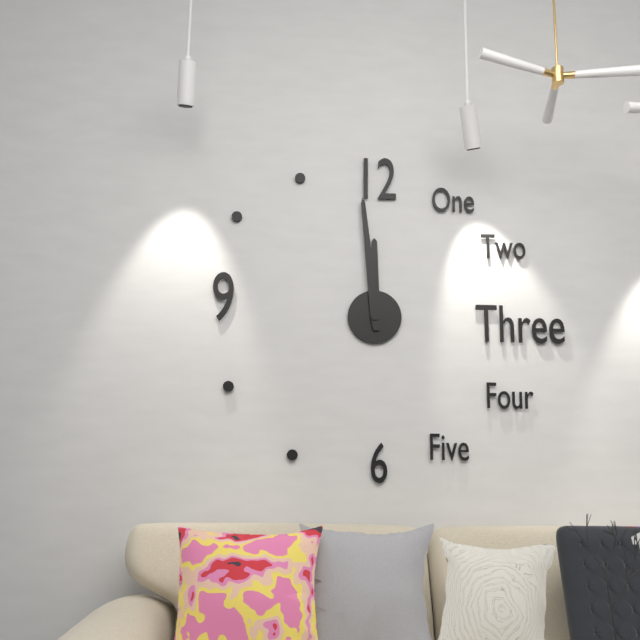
11:59
